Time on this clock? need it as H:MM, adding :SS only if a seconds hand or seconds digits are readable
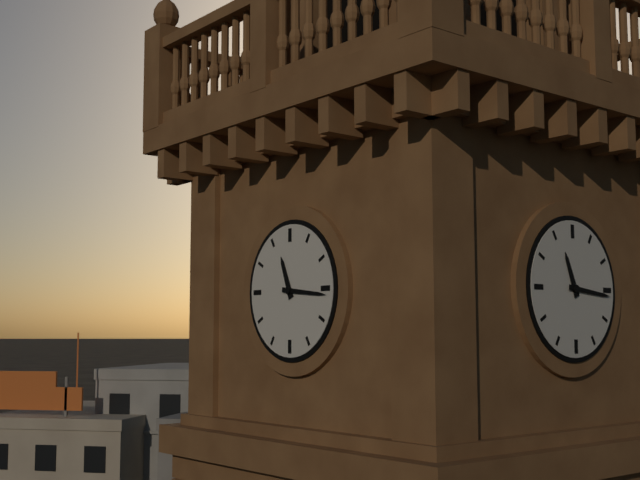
11:16
